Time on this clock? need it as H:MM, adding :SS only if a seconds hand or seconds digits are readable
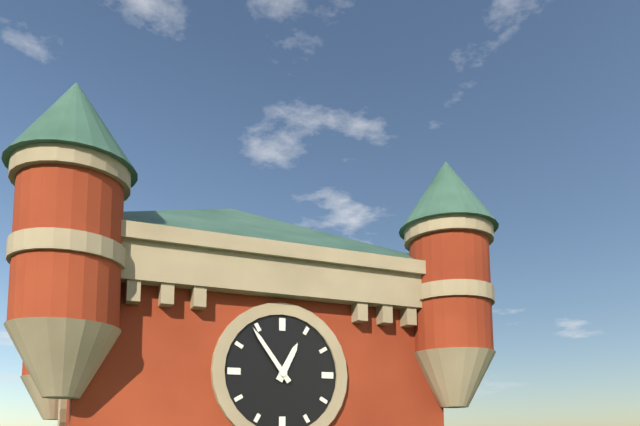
12:54
